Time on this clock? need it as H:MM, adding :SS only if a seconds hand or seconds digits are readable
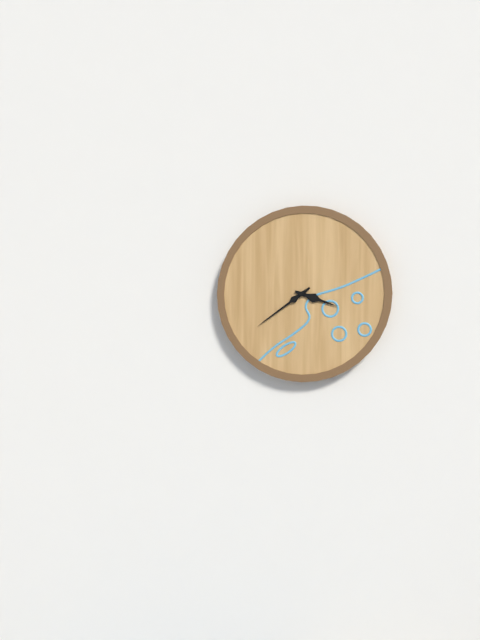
3:39
